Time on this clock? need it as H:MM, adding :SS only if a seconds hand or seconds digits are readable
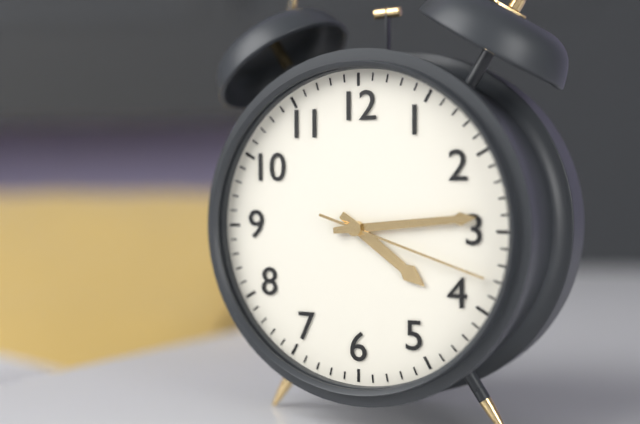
4:14:18
